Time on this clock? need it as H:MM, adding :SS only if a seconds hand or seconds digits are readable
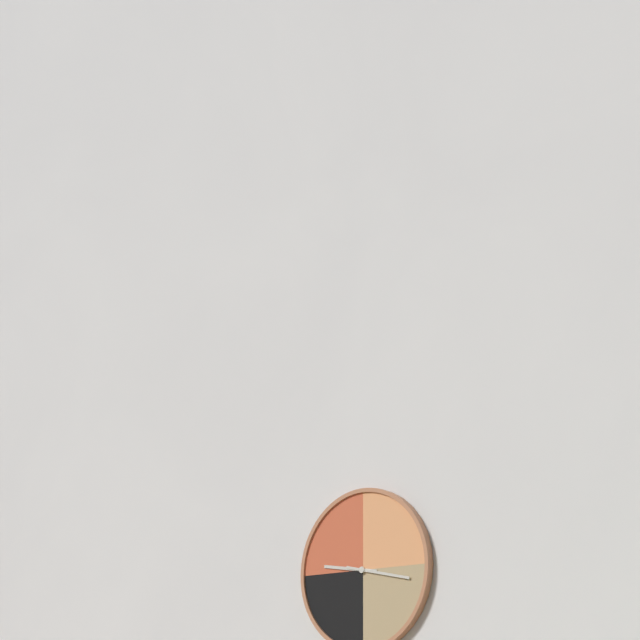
9:17
